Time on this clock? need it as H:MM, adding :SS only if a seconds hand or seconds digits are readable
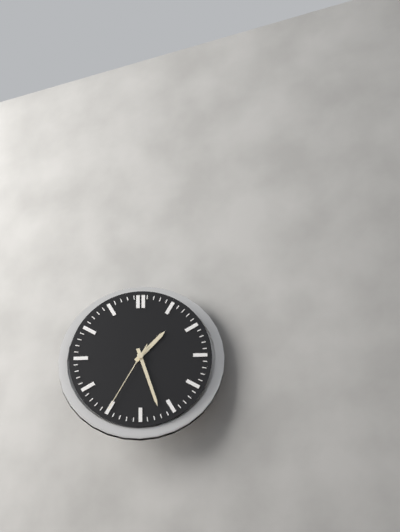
1:27:35
